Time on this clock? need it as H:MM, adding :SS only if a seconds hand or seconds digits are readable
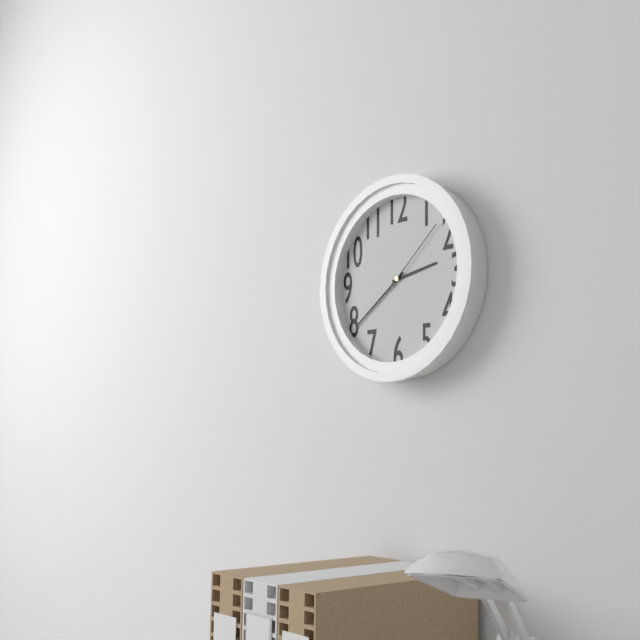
2:39:08
